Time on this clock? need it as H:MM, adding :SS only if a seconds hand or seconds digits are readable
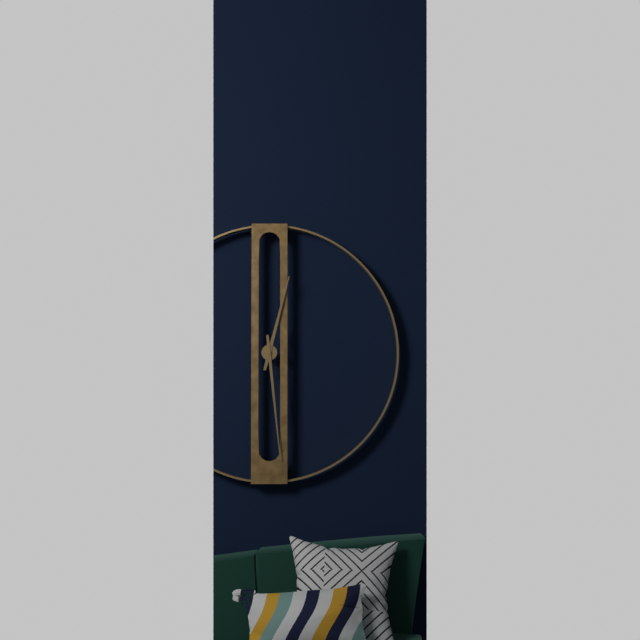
12:29
